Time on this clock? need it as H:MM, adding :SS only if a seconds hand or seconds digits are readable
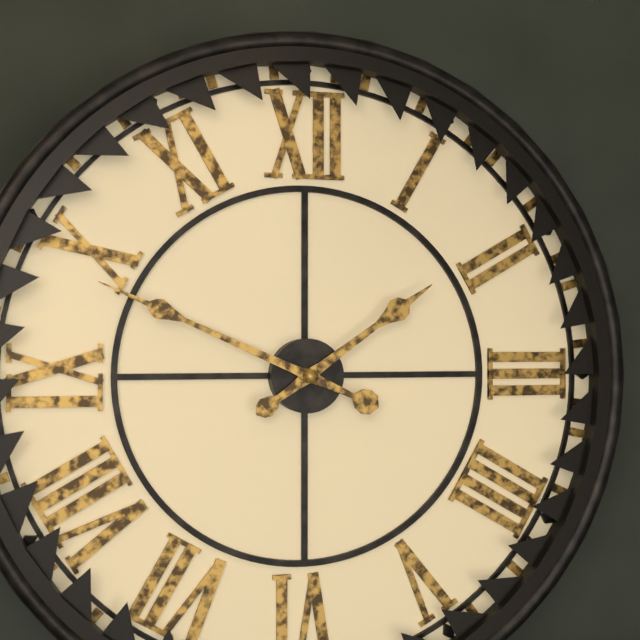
1:49
